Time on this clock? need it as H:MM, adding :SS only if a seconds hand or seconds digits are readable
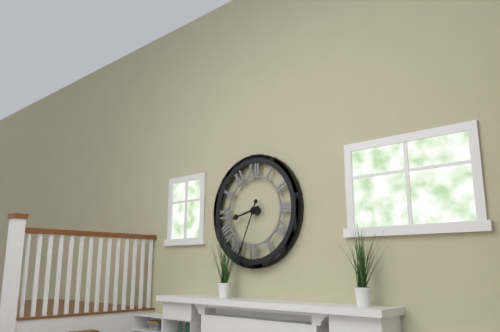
8:34
